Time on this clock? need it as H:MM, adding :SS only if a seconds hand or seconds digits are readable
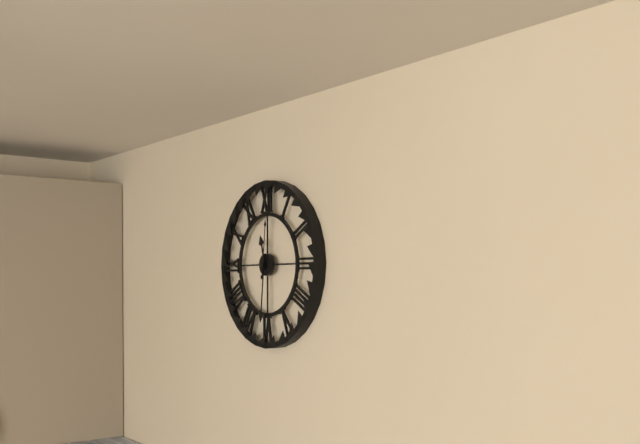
11:31:01
